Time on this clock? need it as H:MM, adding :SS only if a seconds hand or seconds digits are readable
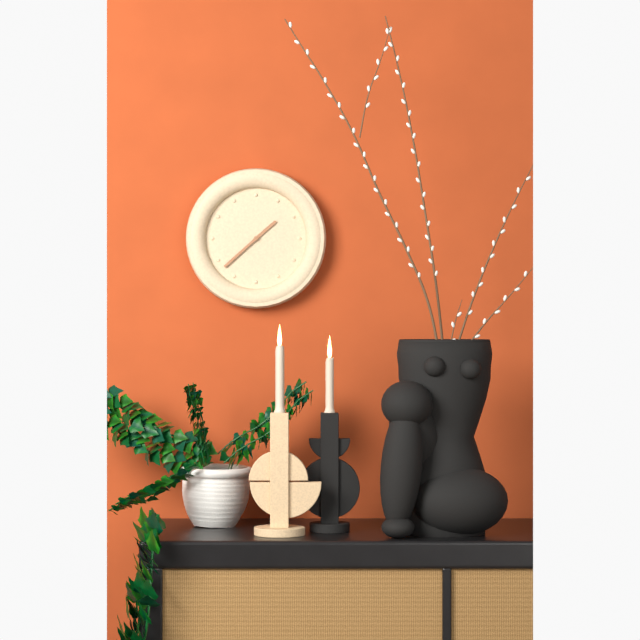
1:38
